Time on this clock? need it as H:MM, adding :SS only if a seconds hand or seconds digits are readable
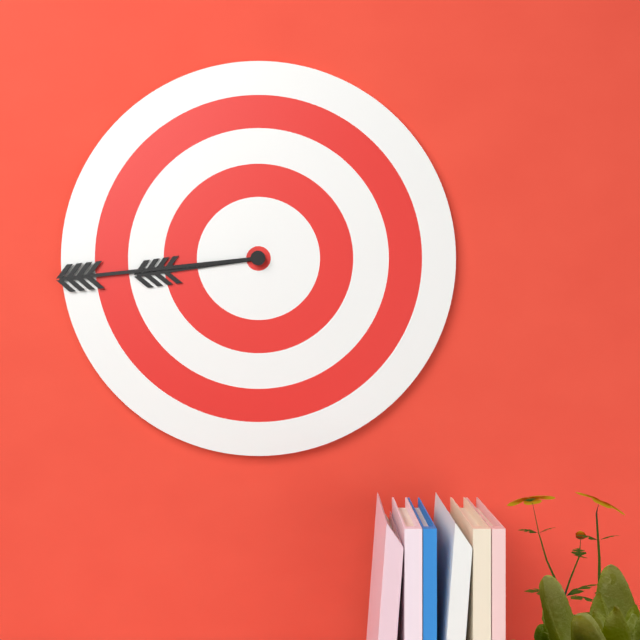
8:44
